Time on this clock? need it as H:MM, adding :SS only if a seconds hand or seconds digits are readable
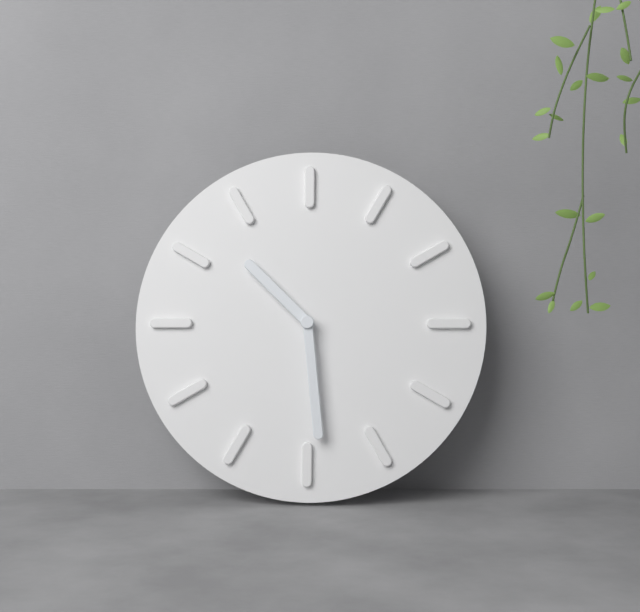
10:29
